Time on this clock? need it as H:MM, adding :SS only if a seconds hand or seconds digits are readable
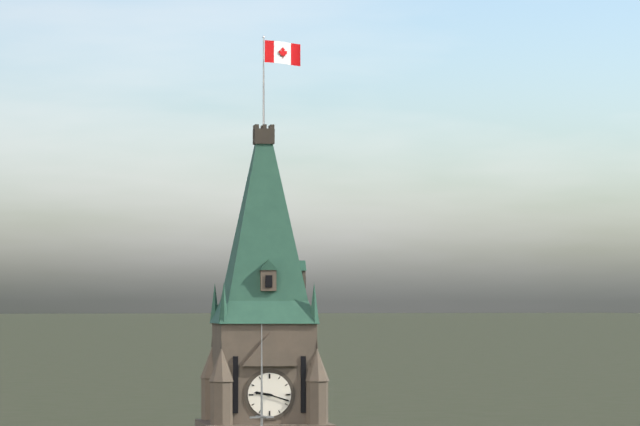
9:18
